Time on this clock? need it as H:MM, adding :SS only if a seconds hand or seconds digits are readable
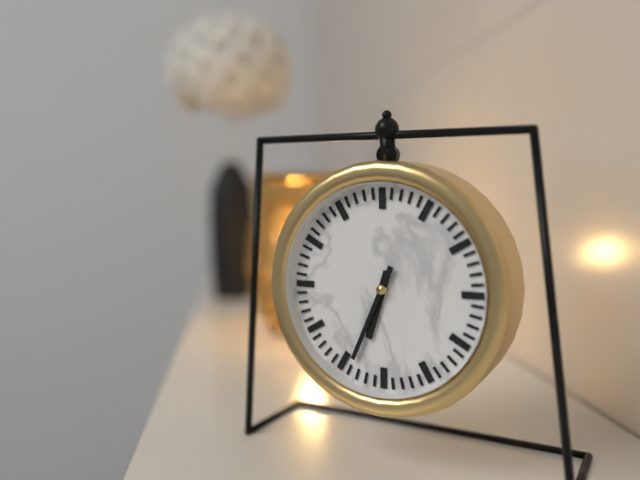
6:34
